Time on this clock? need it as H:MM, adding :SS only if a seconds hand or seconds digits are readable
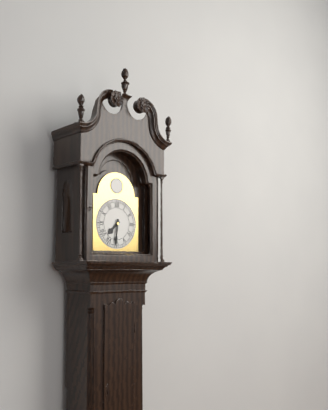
7:31
